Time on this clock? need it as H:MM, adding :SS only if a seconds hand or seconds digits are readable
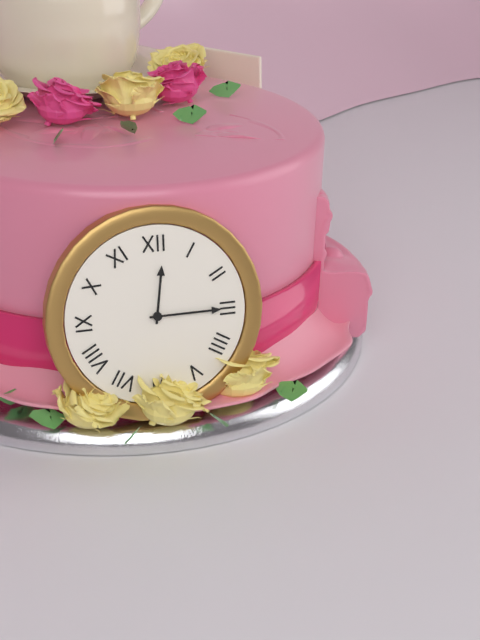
12:15
